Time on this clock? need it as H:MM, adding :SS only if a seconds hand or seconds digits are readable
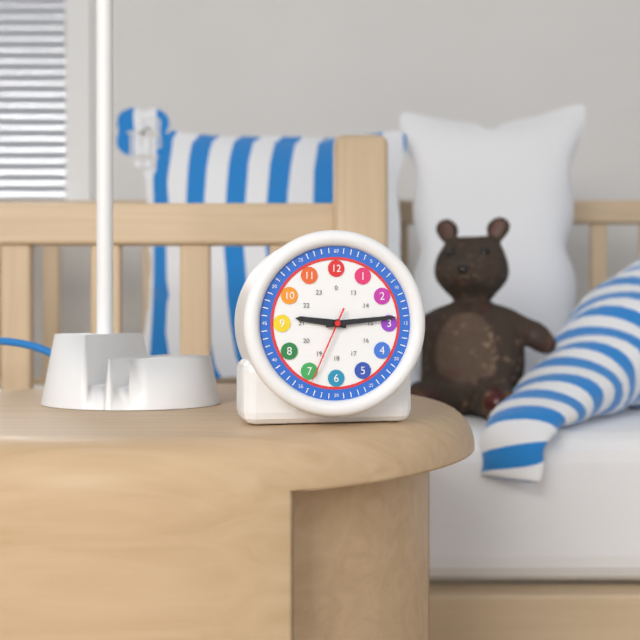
9:14:34
